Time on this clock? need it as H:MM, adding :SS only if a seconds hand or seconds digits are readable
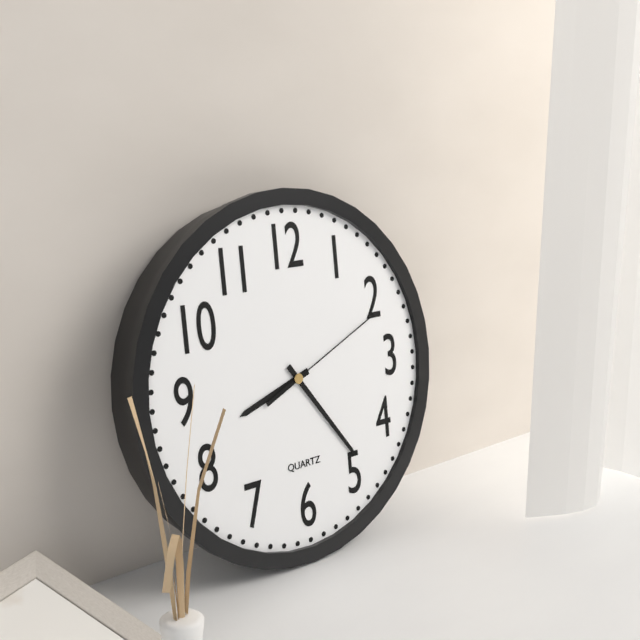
8:24:11
